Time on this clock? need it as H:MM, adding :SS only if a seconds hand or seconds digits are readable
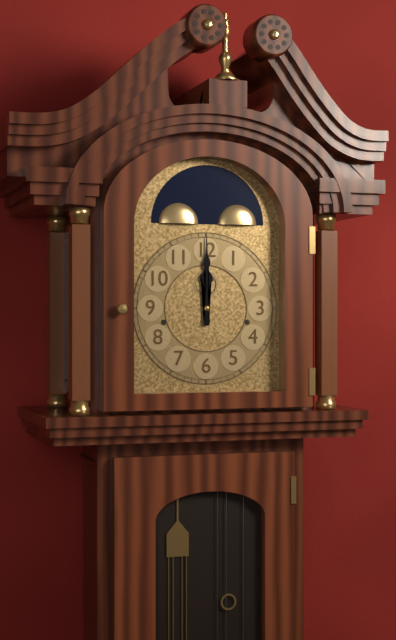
12:00
